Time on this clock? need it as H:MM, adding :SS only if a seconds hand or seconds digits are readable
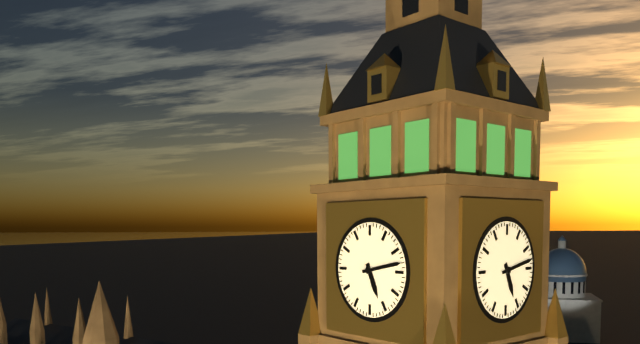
5:13
